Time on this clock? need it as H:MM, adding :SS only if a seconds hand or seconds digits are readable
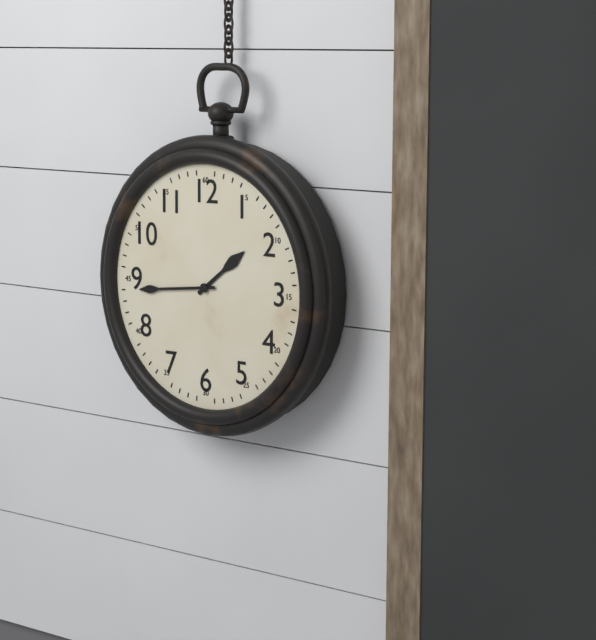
1:44
